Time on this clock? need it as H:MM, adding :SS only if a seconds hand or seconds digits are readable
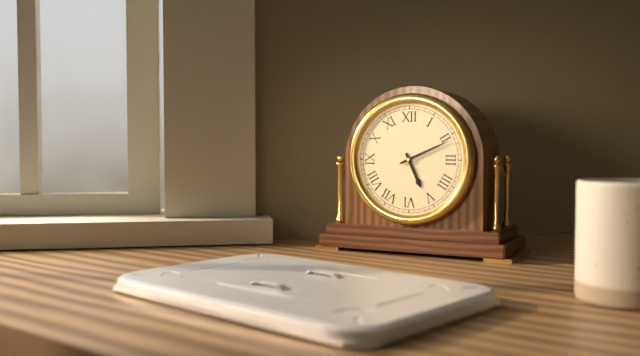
5:11
